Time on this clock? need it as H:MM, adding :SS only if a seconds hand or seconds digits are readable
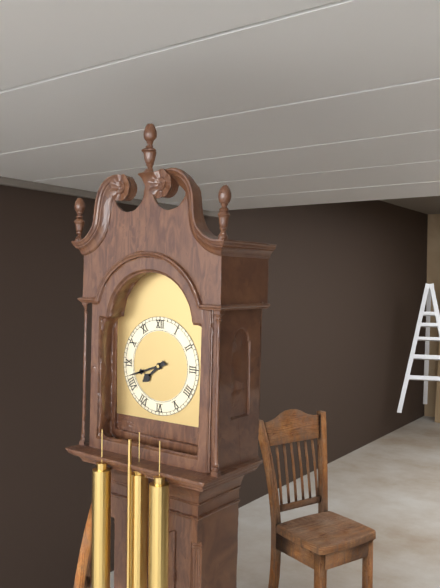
7:42
